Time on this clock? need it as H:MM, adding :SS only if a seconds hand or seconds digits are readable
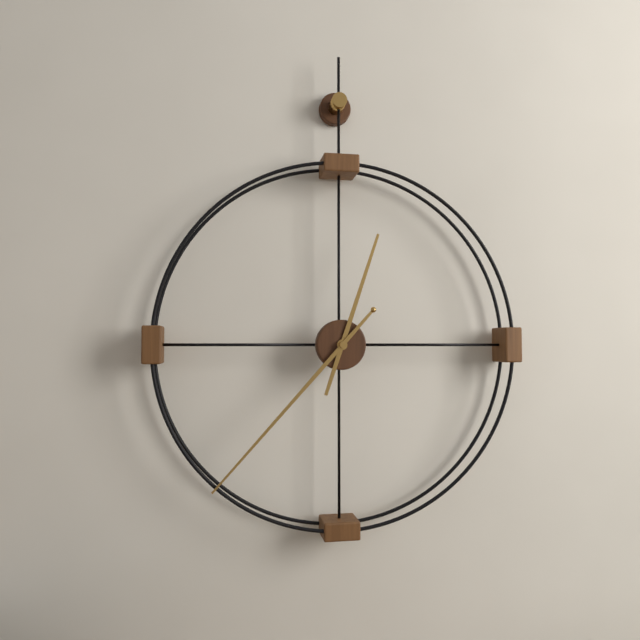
12:37
